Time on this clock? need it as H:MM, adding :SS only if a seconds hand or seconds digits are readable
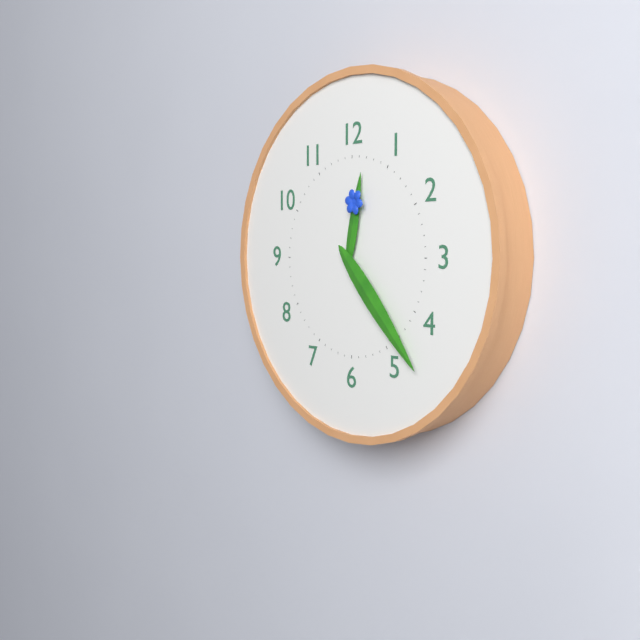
12:23
